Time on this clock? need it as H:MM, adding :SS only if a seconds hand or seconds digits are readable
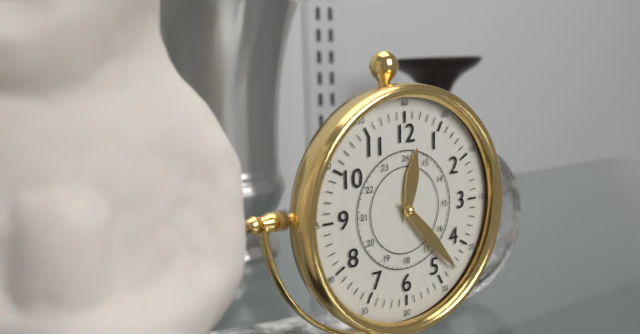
12:23
